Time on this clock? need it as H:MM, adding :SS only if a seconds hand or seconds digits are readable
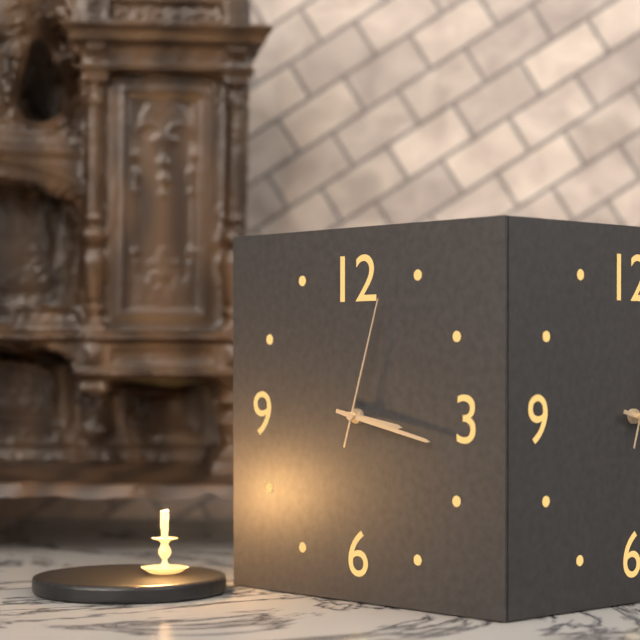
3:17:03
